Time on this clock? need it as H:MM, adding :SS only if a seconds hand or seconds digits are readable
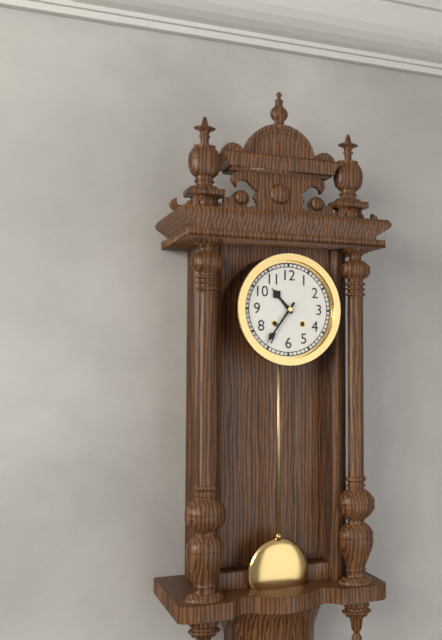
10:36
